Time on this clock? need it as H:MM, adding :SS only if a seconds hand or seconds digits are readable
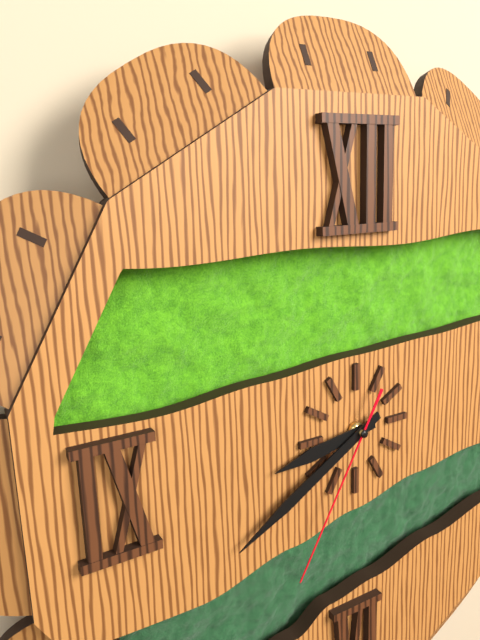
8:40:35
